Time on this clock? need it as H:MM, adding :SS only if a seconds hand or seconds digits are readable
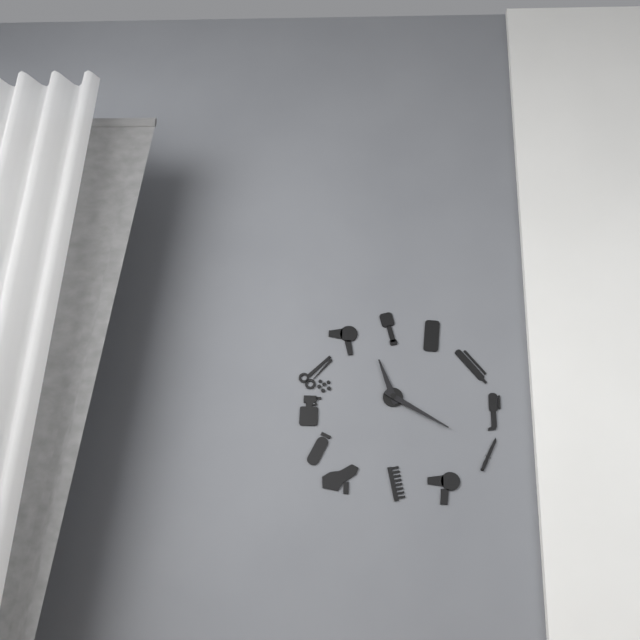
11:20
